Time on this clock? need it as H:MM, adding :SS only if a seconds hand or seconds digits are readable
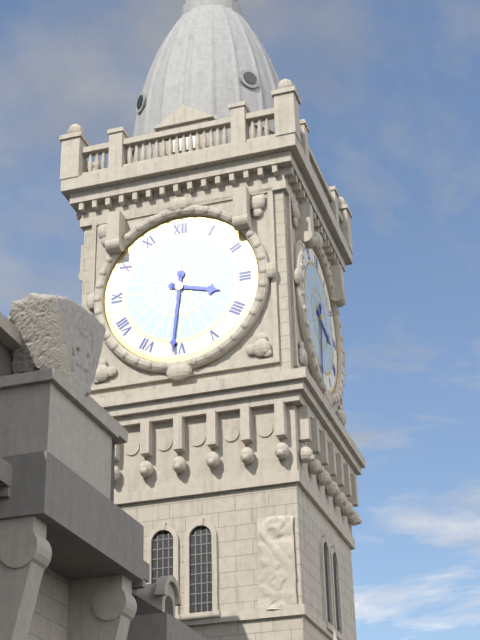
3:31
